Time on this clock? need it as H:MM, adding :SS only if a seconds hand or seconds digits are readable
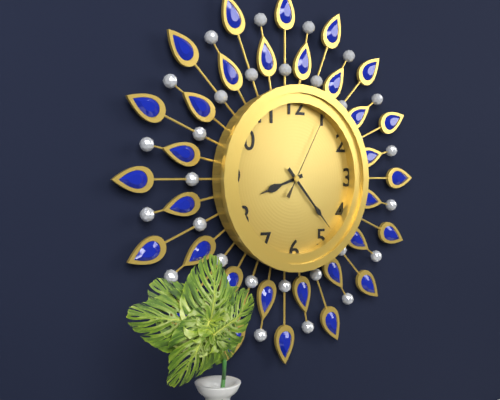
8:23:05
